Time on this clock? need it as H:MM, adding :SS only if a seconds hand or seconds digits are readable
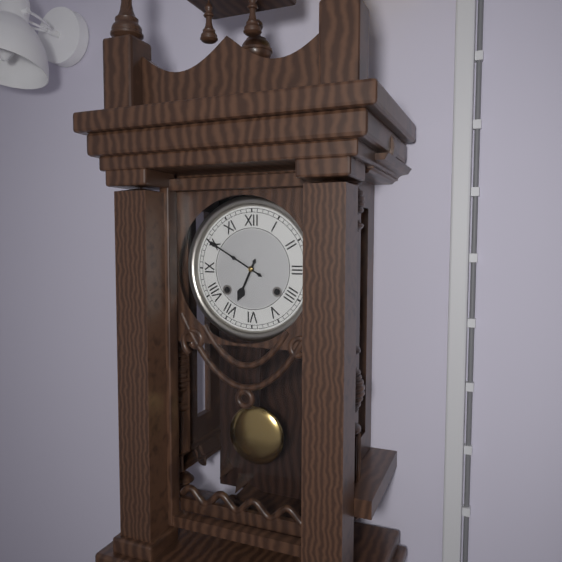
6:50
